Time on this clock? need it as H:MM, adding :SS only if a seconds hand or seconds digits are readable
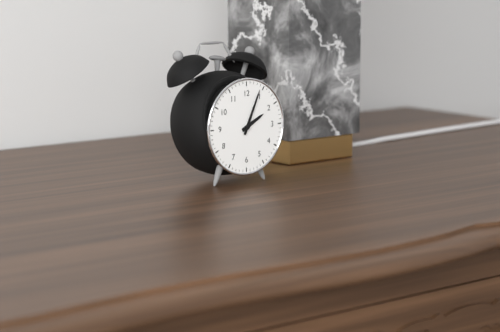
2:04
